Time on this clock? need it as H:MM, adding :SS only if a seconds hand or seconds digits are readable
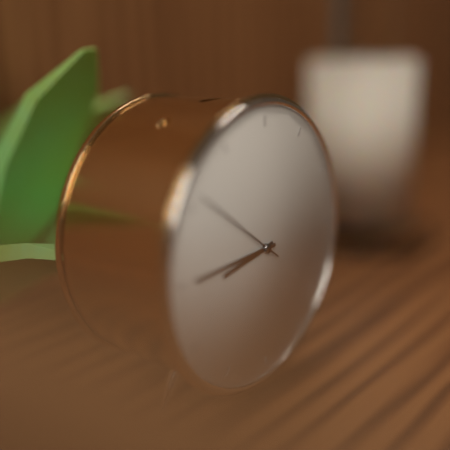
8:45:51
